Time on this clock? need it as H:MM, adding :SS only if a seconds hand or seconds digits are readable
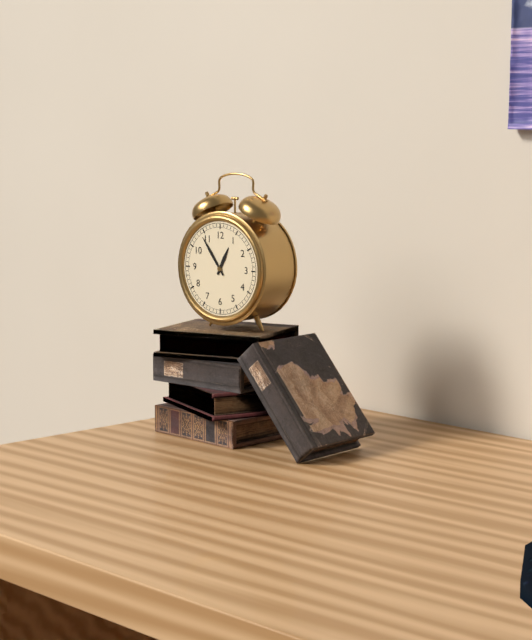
12:54
